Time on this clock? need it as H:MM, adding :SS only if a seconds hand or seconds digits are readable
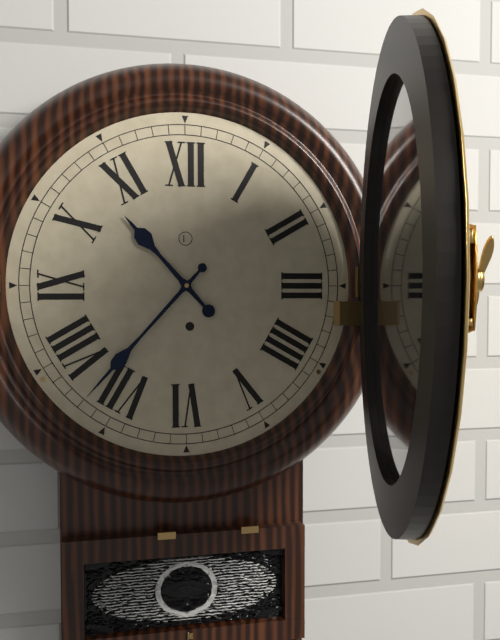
10:37
